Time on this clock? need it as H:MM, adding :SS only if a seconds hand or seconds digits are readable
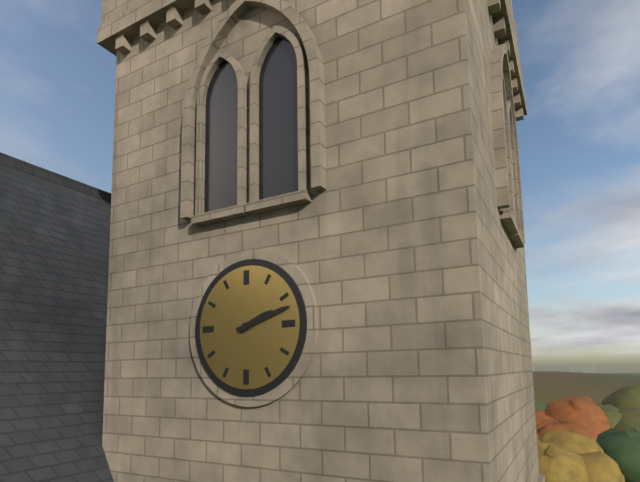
2:12
